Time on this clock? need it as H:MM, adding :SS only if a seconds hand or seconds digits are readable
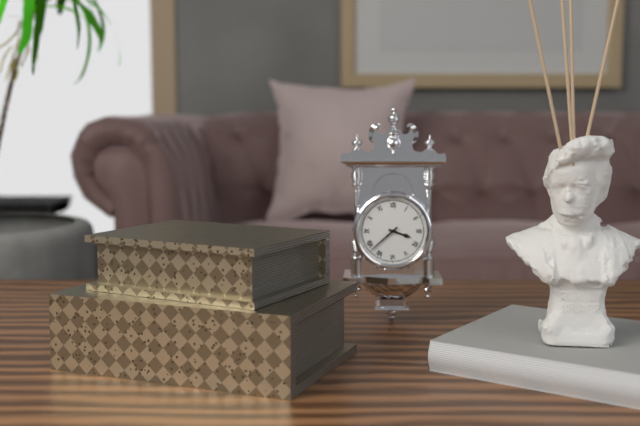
3:38
